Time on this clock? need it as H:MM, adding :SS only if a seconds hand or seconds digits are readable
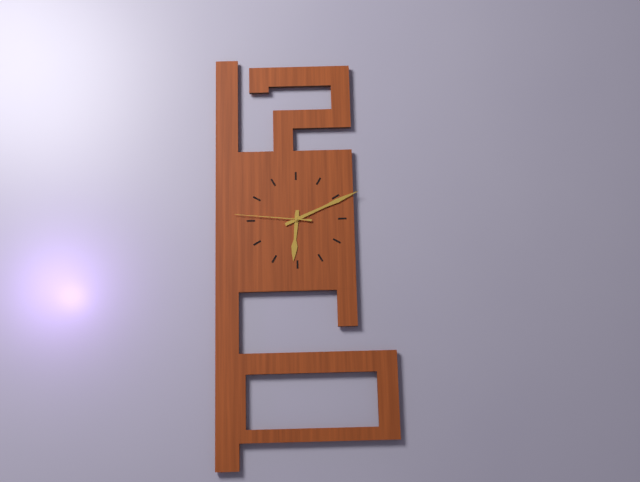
6:11:46
